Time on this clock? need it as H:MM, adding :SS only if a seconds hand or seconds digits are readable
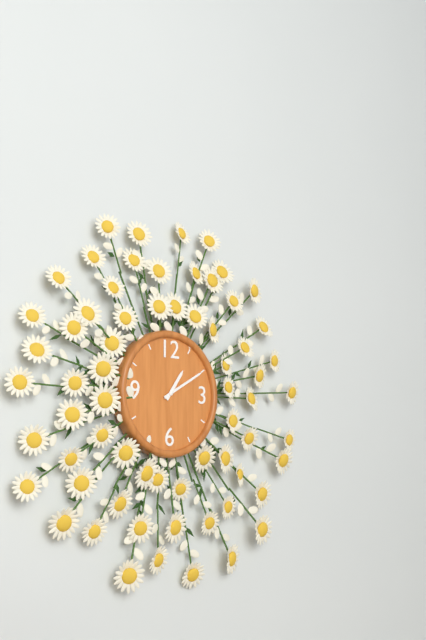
1:10
